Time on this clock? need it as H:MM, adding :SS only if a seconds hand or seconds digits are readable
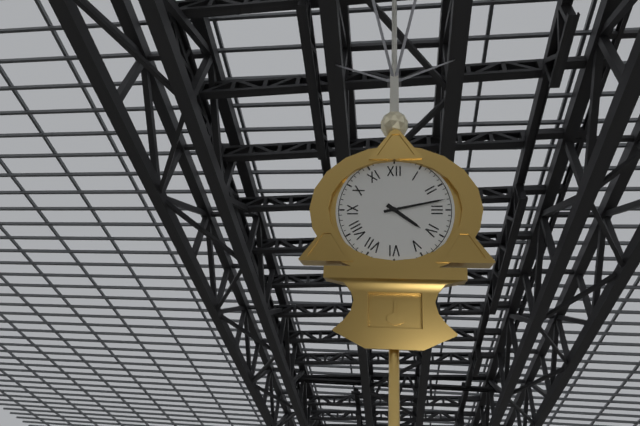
4:13
